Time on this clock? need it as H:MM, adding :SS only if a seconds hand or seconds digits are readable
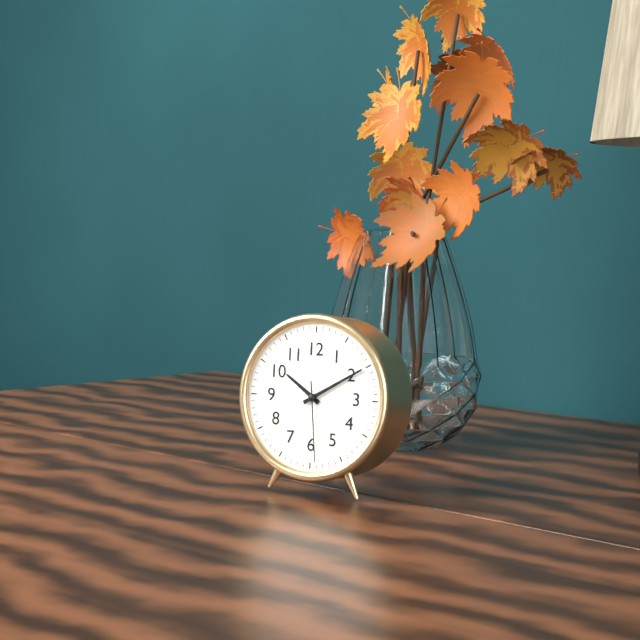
10:10:29
